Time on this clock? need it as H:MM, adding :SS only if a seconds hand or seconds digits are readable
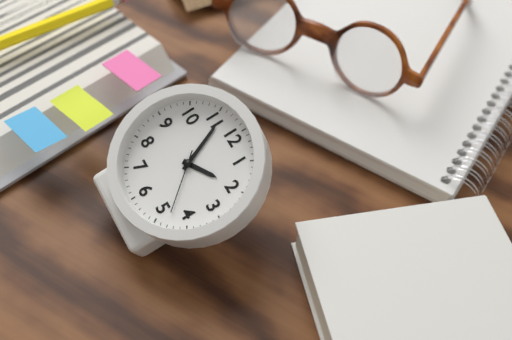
1:56:23
